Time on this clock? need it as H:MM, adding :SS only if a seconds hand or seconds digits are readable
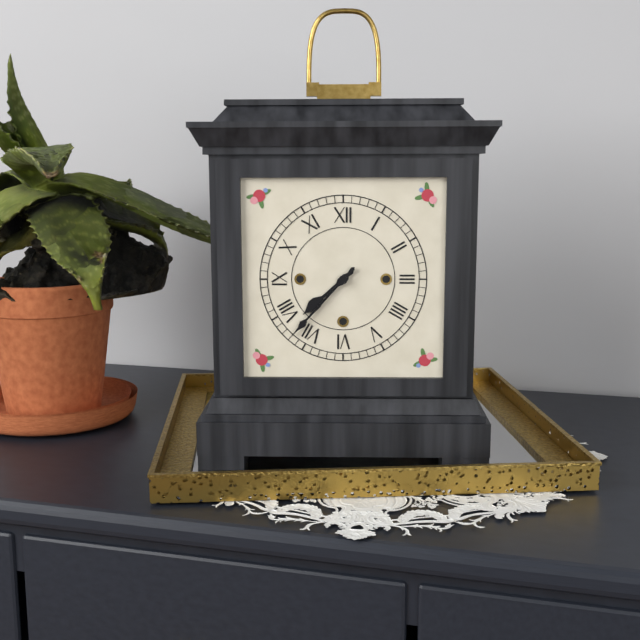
7:37
